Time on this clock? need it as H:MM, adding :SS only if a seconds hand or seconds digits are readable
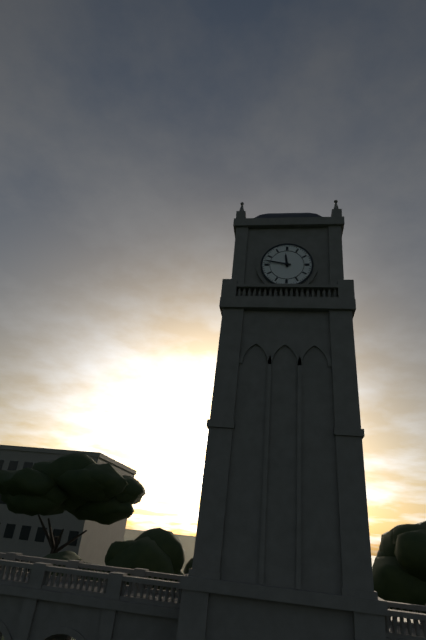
11:47
